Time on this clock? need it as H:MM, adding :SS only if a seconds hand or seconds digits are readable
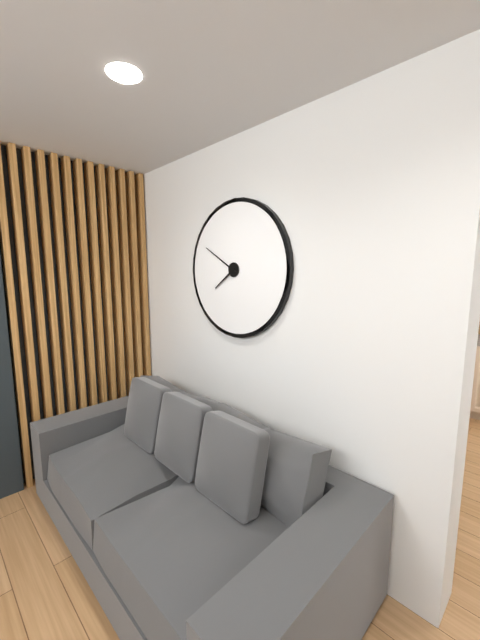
7:50
